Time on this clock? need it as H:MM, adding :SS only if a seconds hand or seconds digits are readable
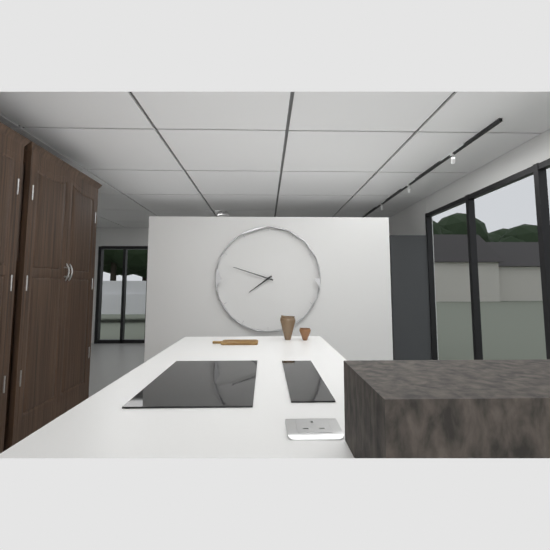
7:48
